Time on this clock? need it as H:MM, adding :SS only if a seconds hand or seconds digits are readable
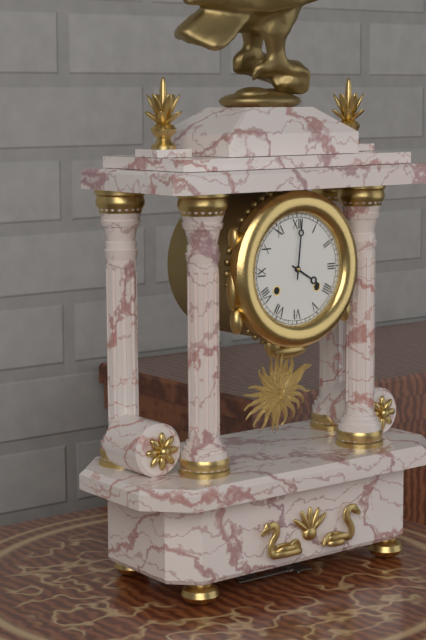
4:01
